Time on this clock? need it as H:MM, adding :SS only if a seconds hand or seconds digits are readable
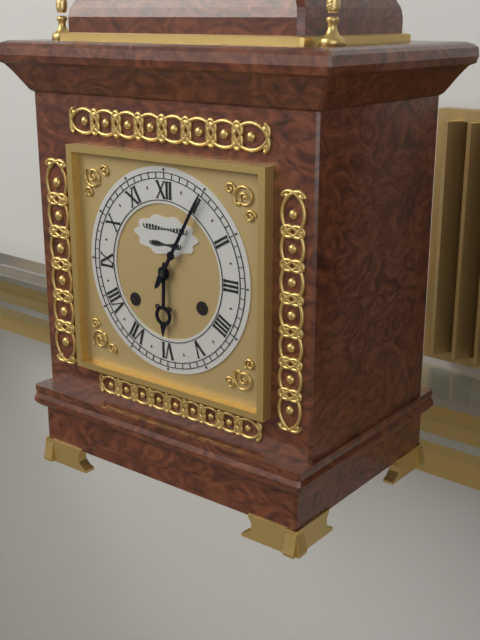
6:05
